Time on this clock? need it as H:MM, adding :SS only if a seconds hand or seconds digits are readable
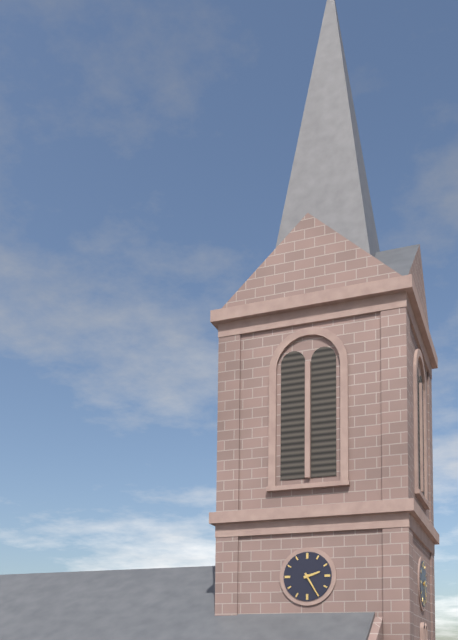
2:25
